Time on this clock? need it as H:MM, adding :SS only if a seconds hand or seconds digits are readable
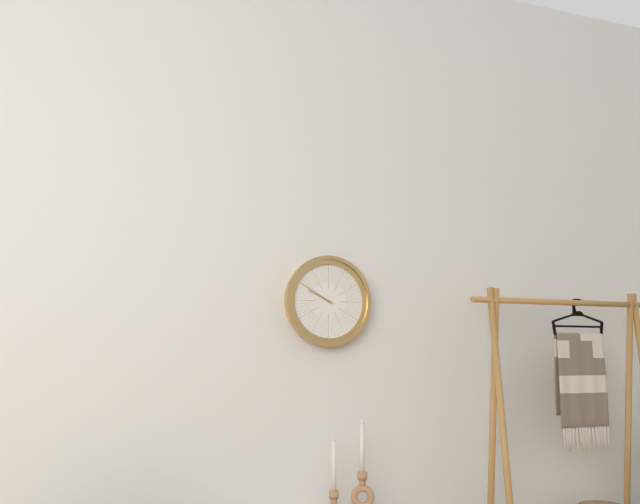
9:50
